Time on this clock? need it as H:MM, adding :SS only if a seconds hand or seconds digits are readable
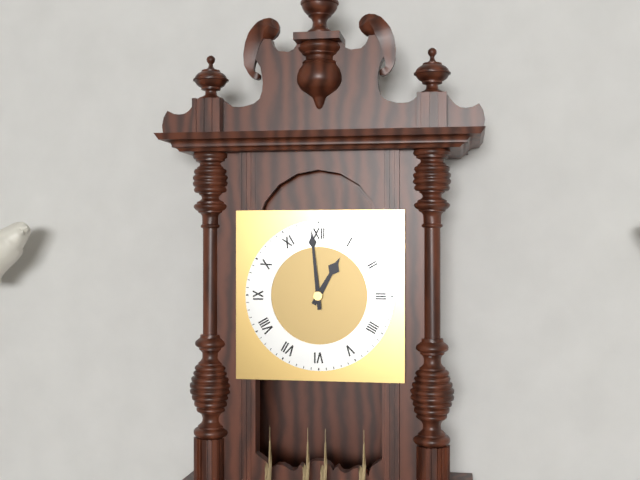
12:59
